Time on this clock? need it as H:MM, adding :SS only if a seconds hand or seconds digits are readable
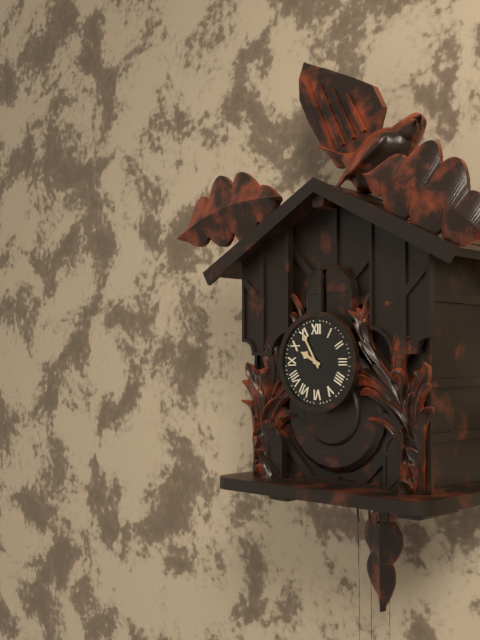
9:55
